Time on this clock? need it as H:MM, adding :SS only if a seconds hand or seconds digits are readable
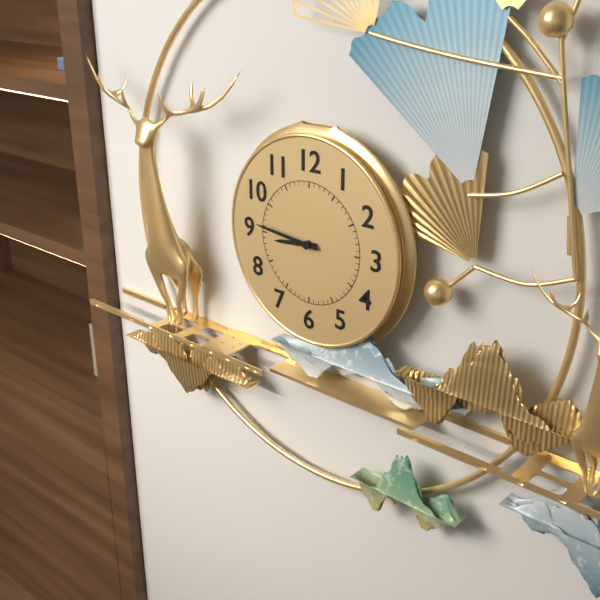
8:46
